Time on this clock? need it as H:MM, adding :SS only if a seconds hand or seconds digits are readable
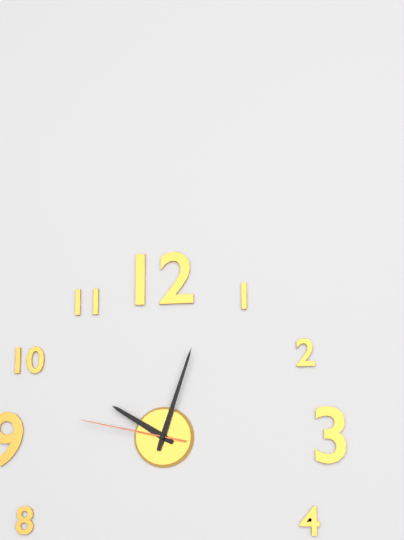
10:03:47
